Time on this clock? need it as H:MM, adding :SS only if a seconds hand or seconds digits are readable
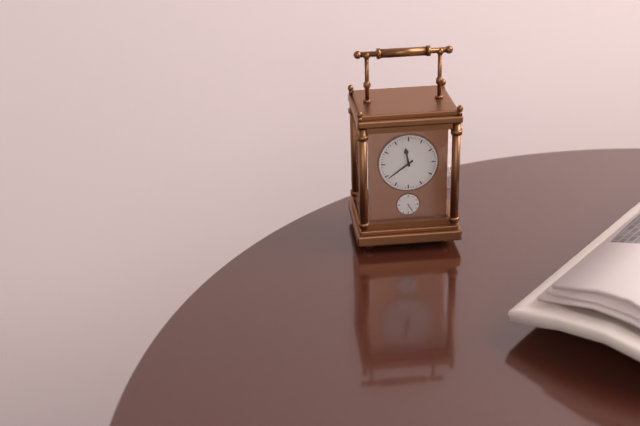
11:39
